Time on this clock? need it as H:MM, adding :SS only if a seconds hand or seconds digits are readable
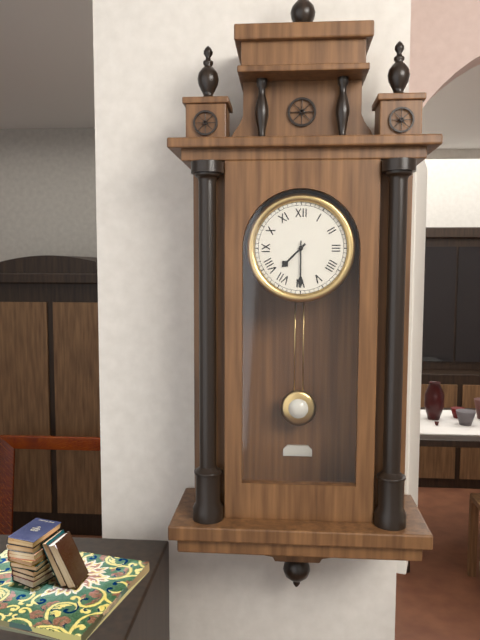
7:30
